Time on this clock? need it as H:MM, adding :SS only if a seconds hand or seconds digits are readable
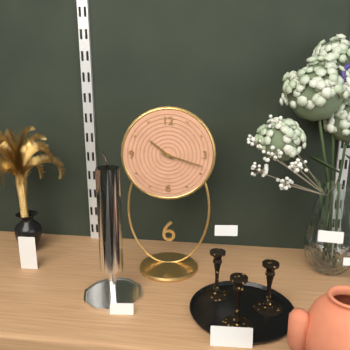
10:18
